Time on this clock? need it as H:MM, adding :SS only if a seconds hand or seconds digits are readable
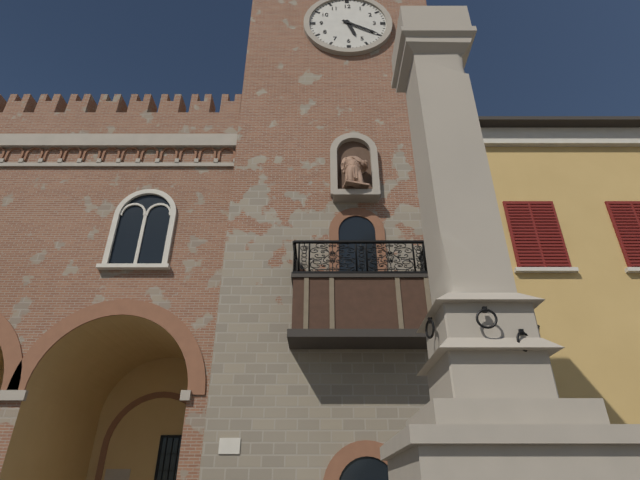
5:20
